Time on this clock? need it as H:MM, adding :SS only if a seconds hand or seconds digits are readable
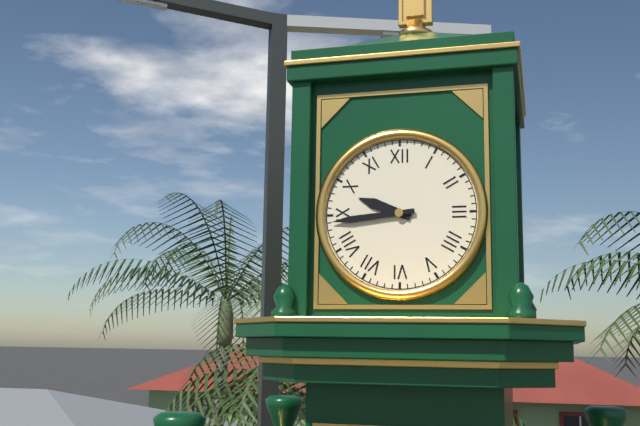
9:44
